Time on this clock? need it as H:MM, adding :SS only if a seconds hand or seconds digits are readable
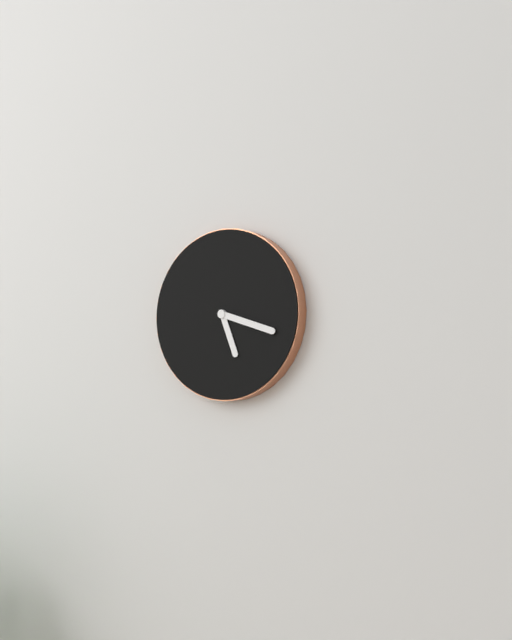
5:18
